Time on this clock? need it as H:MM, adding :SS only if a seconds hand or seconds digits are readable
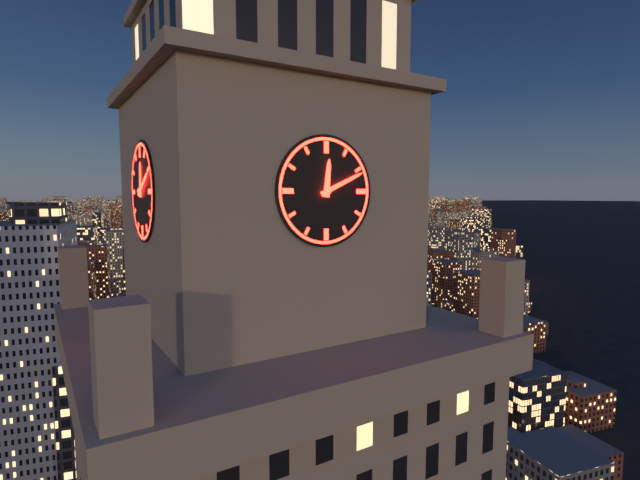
12:11
